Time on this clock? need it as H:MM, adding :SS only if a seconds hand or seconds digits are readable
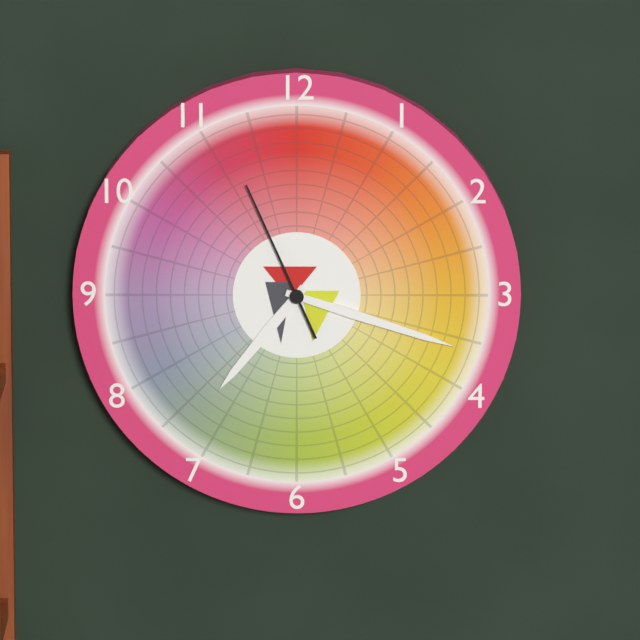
7:18:56
